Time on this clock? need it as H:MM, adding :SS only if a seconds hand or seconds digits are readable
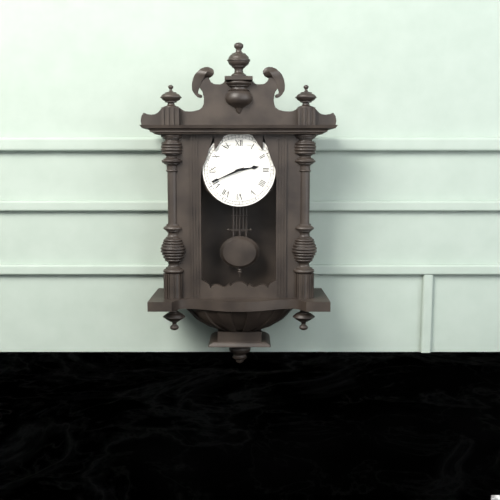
2:41
